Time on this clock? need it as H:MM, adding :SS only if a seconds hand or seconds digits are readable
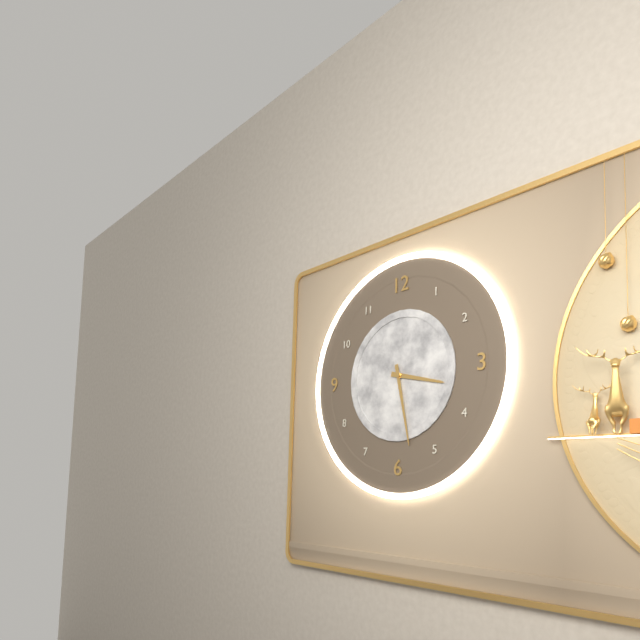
3:28
